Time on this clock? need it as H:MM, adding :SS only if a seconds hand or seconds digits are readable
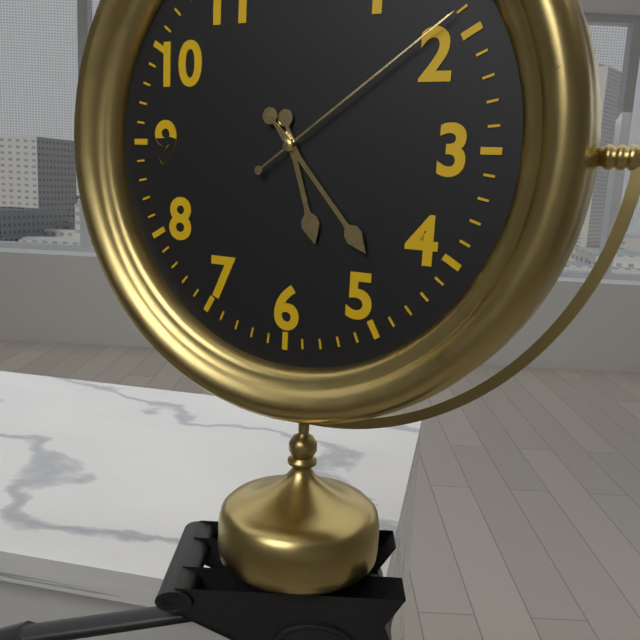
5:23:09
